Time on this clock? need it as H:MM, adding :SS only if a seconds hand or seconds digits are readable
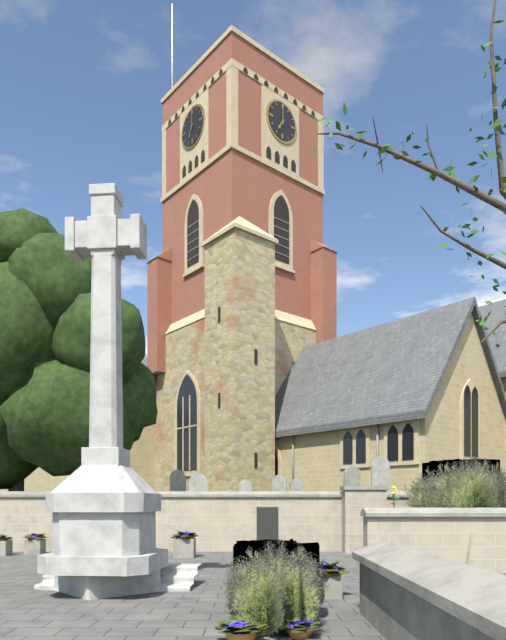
7:00
